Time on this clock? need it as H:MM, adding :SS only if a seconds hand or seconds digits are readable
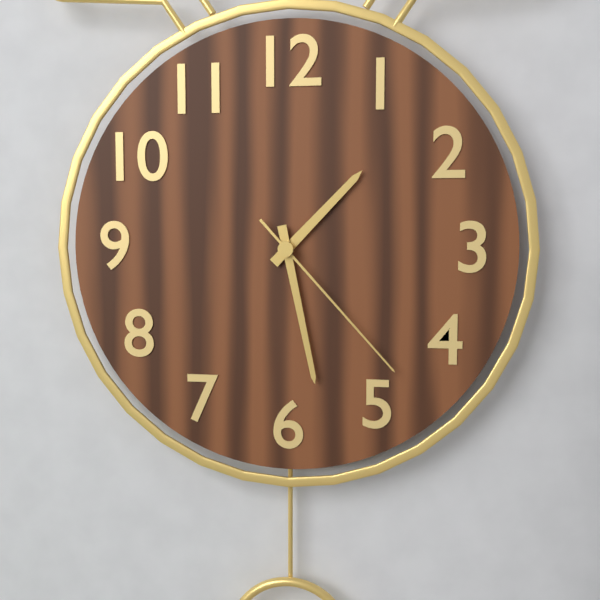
1:28:23
